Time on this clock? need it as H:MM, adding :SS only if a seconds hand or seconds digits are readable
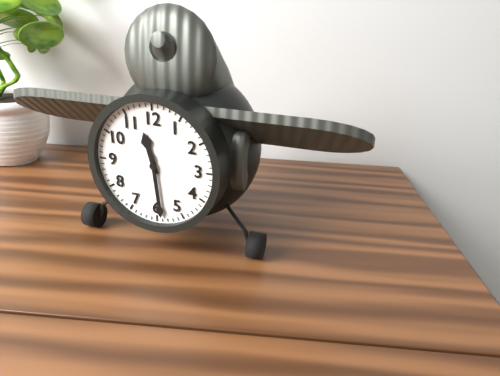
11:29
